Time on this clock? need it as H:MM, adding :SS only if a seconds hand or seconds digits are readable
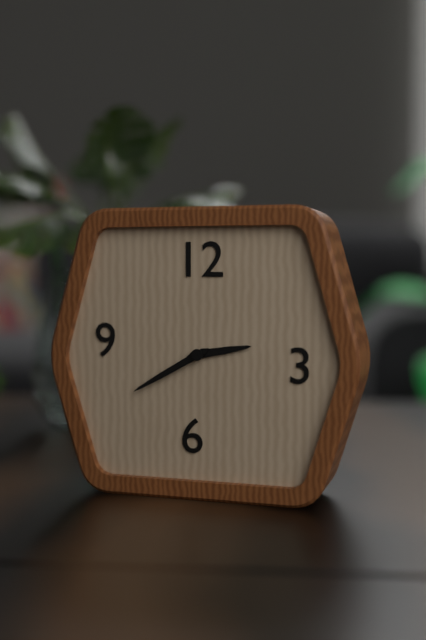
2:40
